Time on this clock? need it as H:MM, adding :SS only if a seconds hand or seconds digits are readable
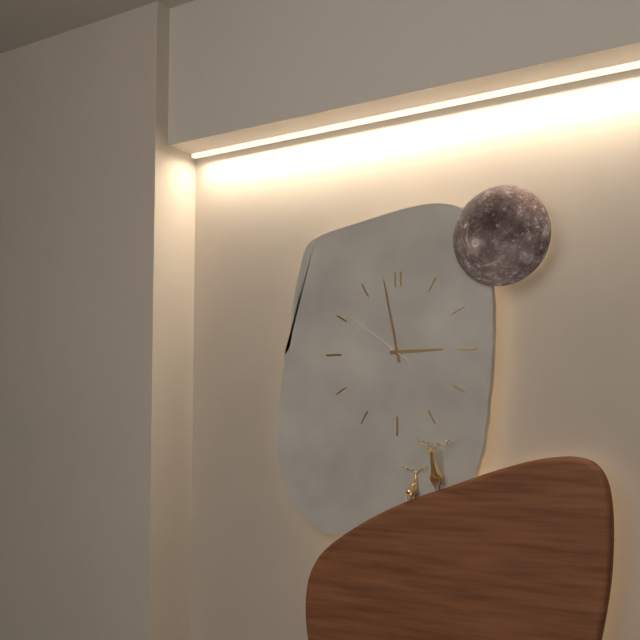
2:58:51
